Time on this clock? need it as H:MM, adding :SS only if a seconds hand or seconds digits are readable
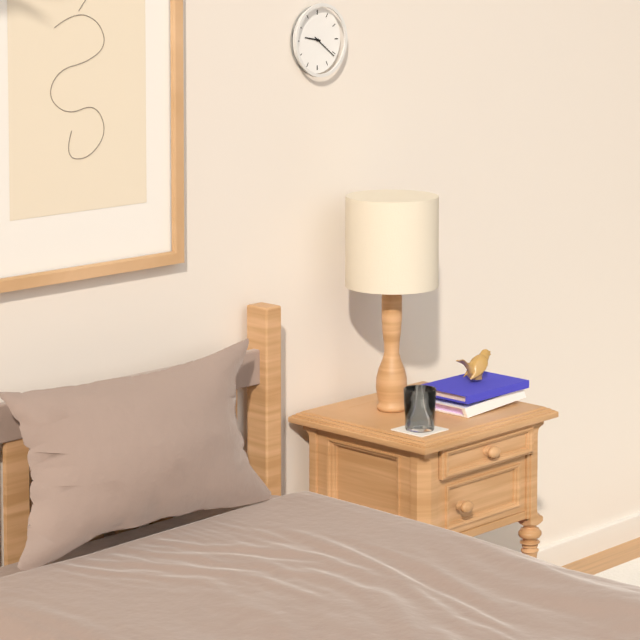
9:21
